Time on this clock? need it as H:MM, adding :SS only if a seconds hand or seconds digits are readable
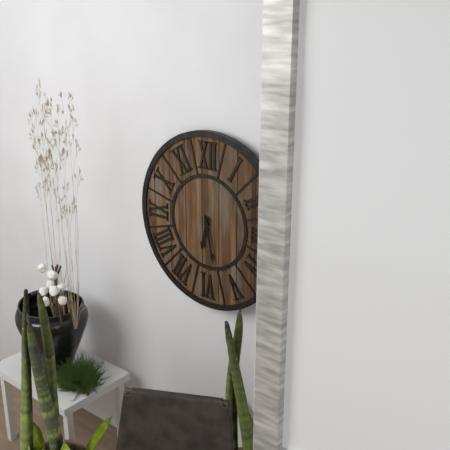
6:28
